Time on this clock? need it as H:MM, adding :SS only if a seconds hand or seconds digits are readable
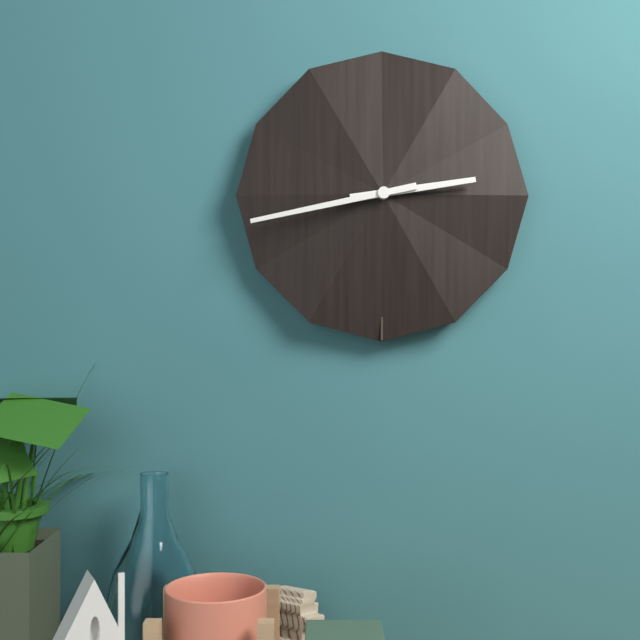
2:43
